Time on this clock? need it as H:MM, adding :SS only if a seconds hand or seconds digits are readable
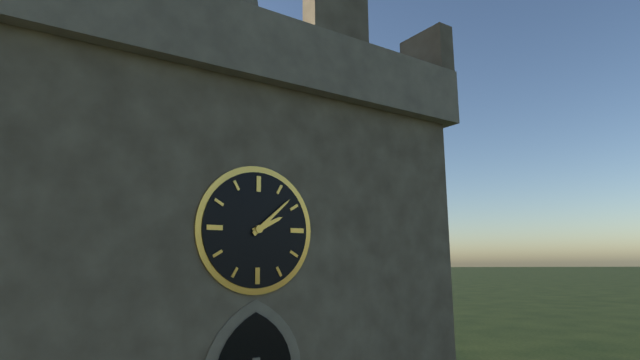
2:08
